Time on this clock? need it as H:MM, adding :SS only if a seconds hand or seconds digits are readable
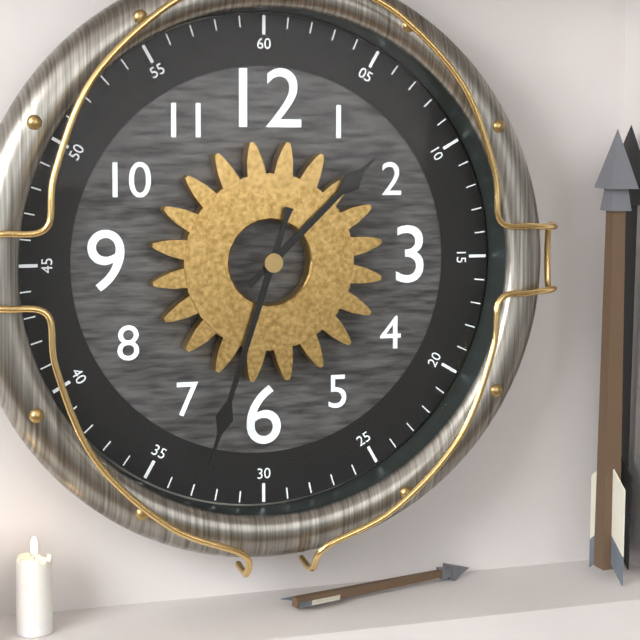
1:33
